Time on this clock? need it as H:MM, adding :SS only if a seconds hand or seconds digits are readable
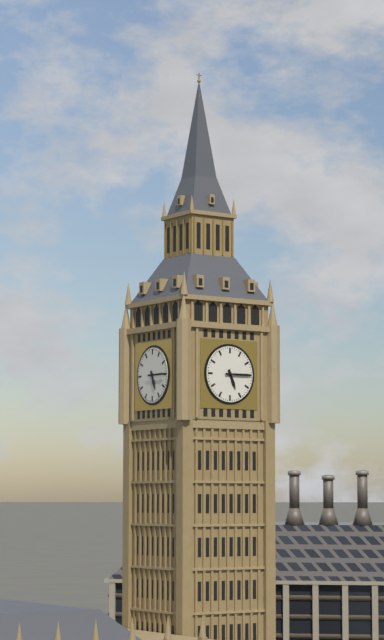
5:15
